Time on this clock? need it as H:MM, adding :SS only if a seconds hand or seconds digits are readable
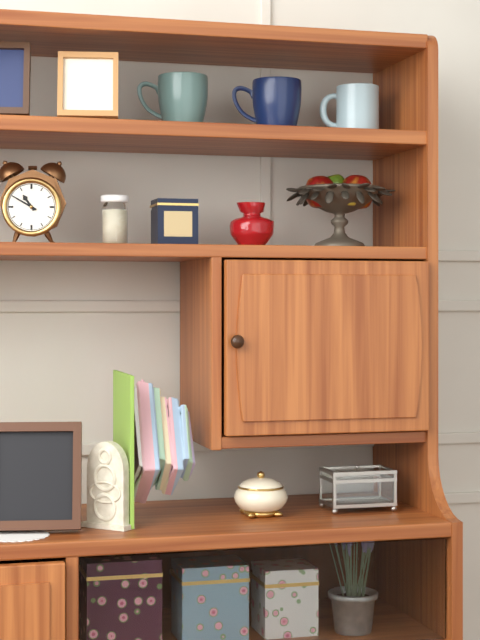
10:50
